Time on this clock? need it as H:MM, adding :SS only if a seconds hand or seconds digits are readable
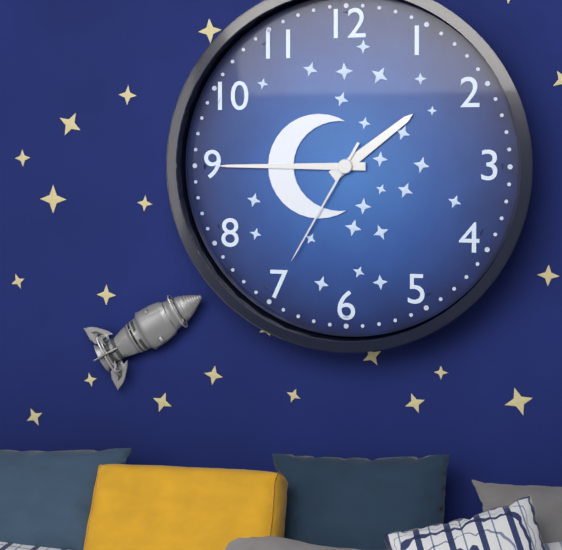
1:45:35
